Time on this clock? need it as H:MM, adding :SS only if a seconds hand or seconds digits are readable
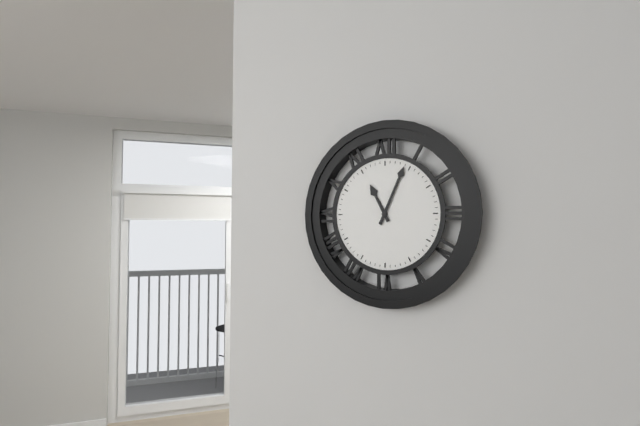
11:04
